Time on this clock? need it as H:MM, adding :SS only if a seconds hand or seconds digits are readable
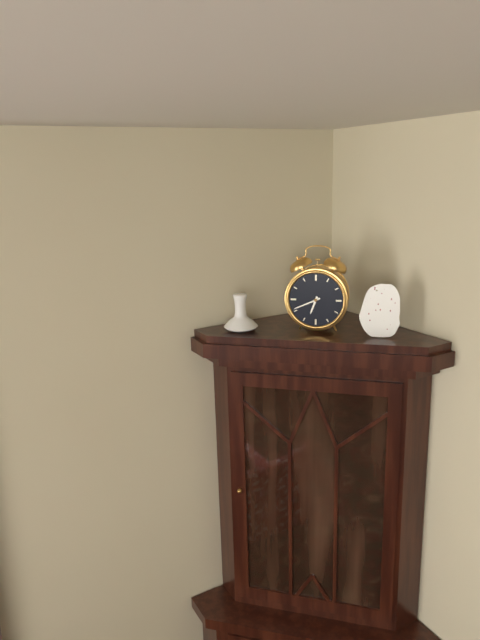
6:41
